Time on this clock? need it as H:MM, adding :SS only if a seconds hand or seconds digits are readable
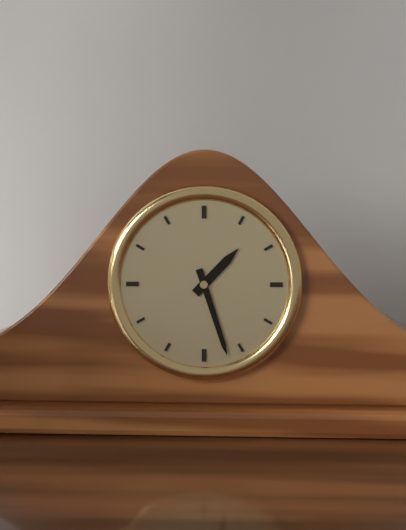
1:27
